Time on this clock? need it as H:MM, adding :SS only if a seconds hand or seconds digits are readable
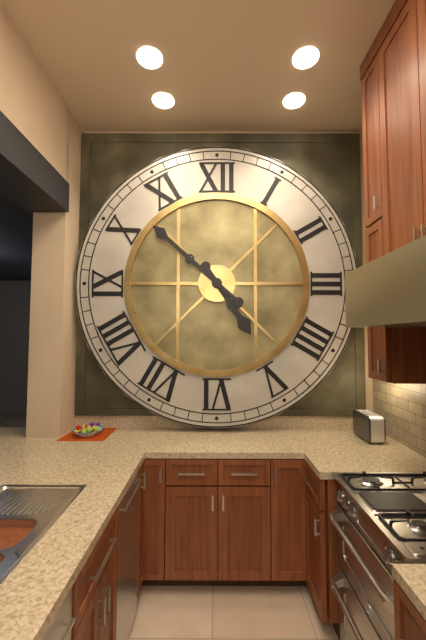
4:52
